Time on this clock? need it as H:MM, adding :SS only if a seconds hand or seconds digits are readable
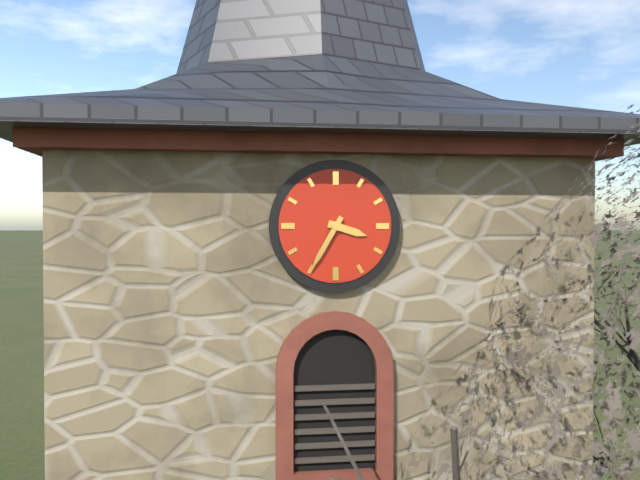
3:35
